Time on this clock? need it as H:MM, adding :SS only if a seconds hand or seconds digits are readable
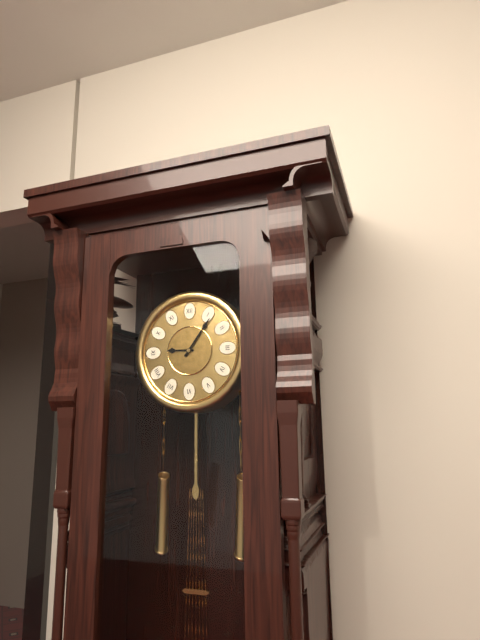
9:06
